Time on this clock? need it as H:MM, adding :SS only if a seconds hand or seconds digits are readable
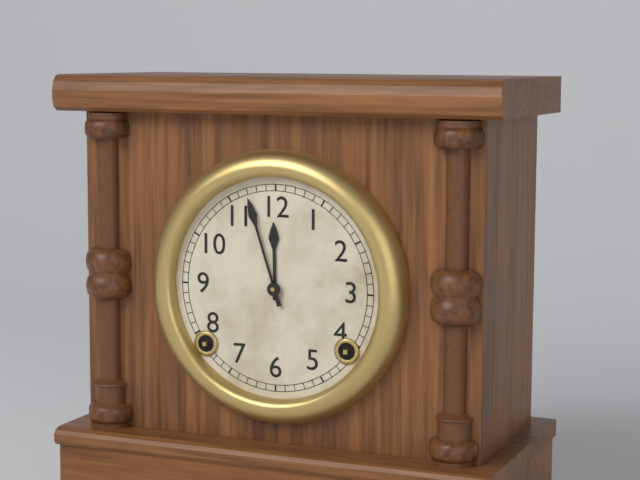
11:57
